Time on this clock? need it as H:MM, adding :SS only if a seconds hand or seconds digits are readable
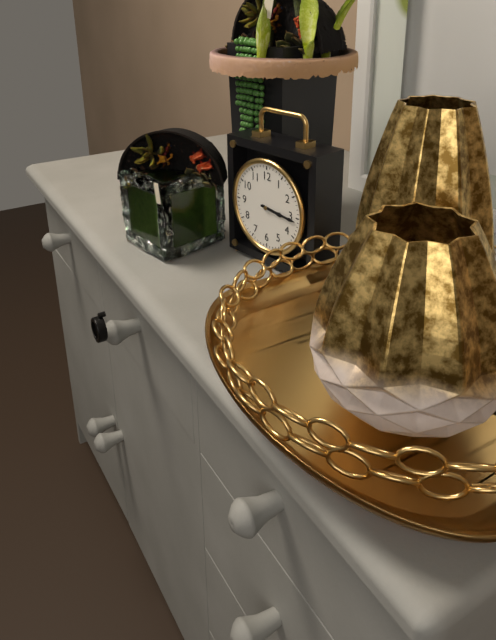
3:16
